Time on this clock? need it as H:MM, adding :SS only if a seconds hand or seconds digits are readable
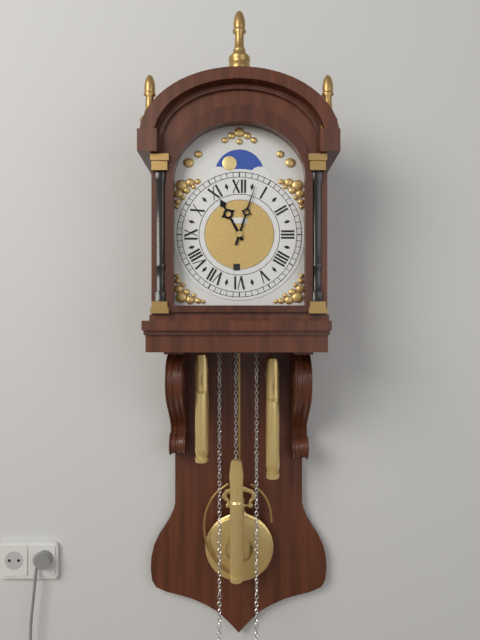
11:03
